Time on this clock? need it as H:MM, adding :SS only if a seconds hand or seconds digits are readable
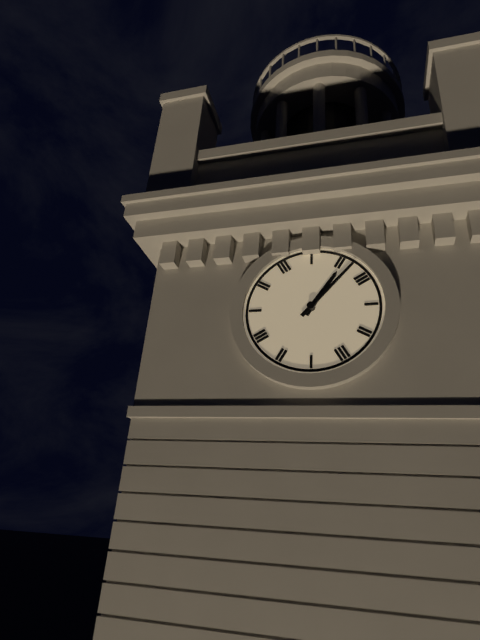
1:07
